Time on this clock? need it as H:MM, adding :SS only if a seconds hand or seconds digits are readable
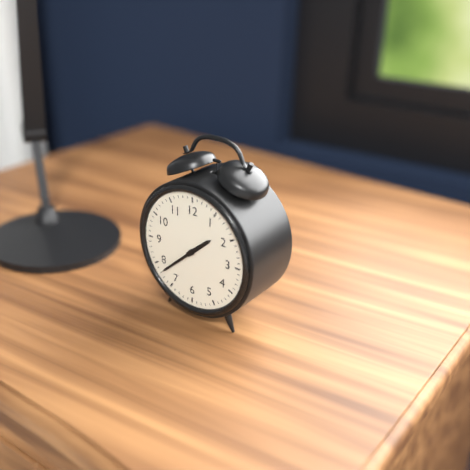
1:38
